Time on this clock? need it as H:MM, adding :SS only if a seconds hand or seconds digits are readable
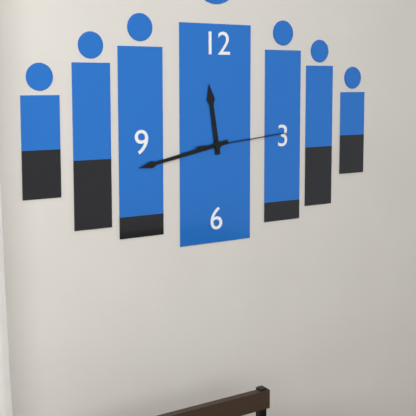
11:43:14
